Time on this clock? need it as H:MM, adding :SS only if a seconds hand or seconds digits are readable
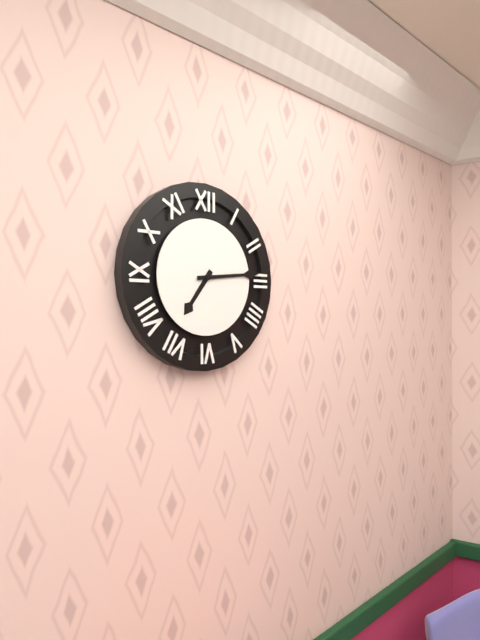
7:14
